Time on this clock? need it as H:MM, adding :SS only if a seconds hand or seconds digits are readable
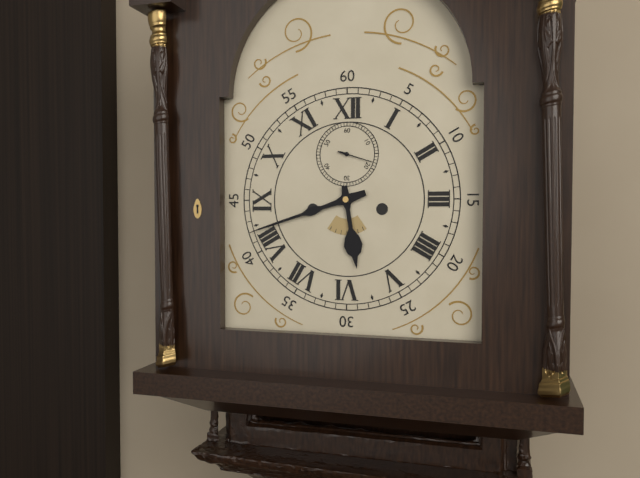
5:42
